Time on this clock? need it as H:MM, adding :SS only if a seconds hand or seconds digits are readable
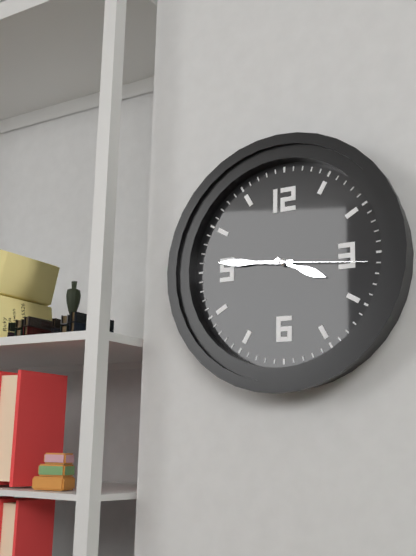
3:46:16
